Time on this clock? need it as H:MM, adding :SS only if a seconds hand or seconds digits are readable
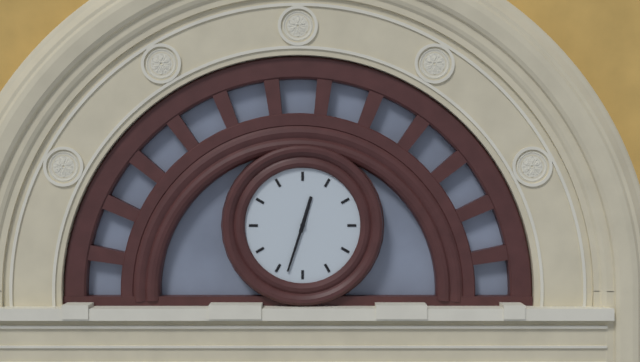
12:33
